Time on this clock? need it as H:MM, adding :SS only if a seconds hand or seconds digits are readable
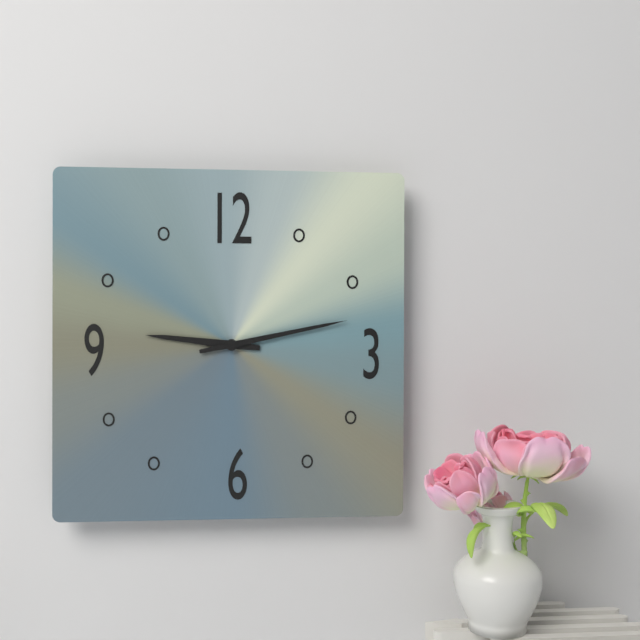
9:13
